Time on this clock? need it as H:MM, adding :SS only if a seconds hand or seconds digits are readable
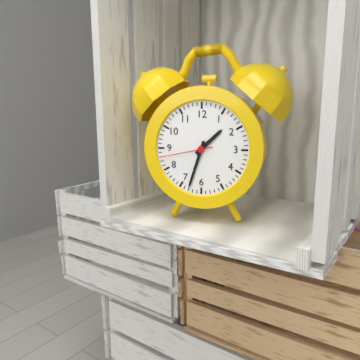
1:33:43
